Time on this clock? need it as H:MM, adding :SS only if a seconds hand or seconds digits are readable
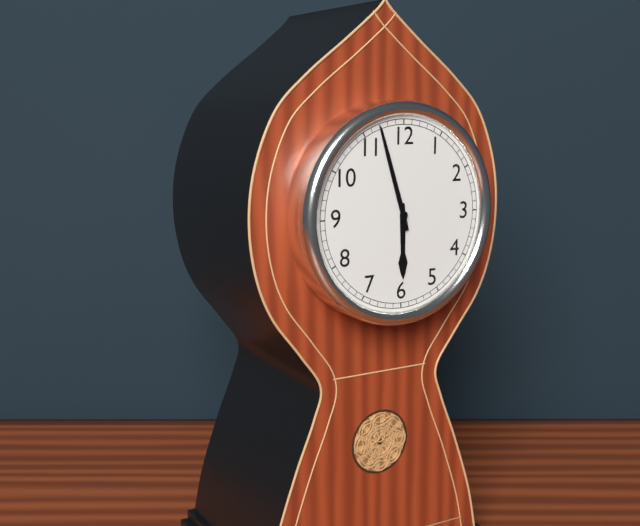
5:57
